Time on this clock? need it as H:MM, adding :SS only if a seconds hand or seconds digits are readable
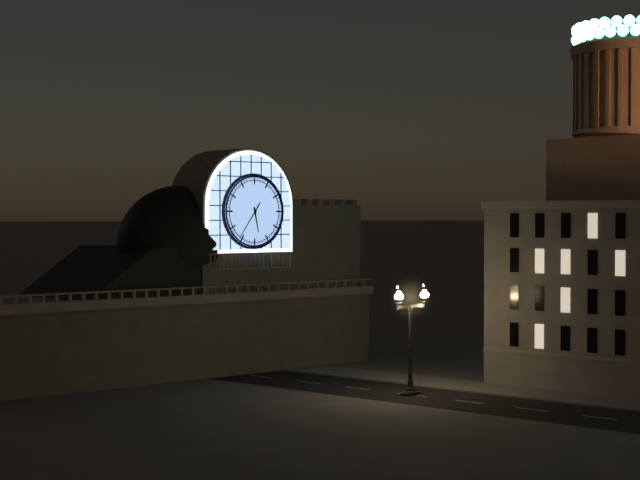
5:36
